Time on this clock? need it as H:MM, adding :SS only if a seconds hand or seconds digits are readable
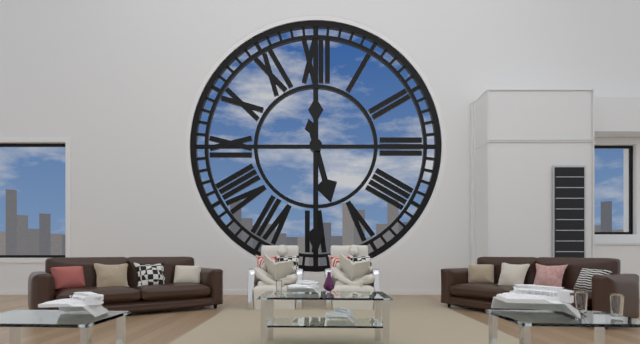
5:30
